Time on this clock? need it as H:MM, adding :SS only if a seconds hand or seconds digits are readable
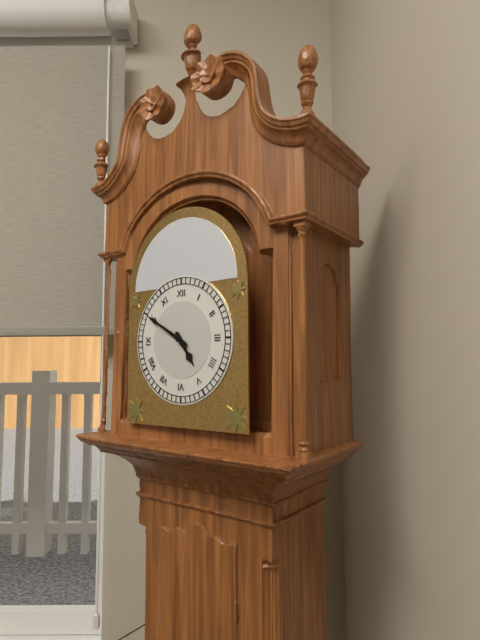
4:50
